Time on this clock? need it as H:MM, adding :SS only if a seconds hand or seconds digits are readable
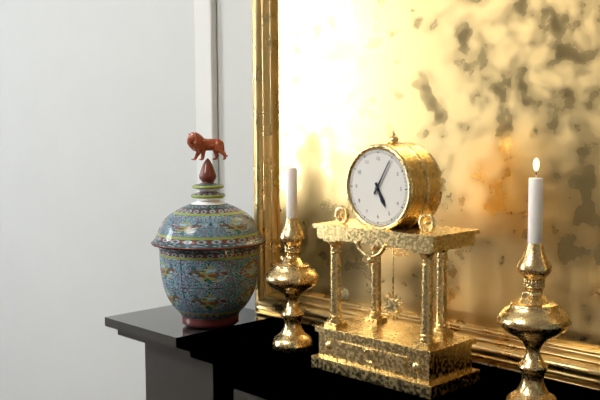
5:05
